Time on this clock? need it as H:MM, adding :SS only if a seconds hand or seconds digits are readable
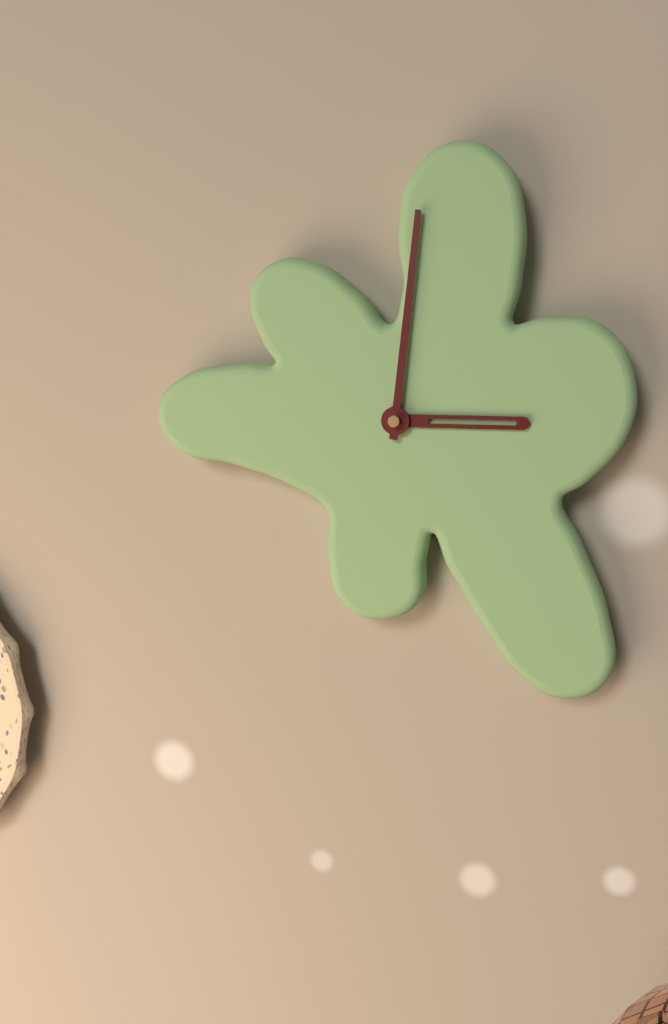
3:01
